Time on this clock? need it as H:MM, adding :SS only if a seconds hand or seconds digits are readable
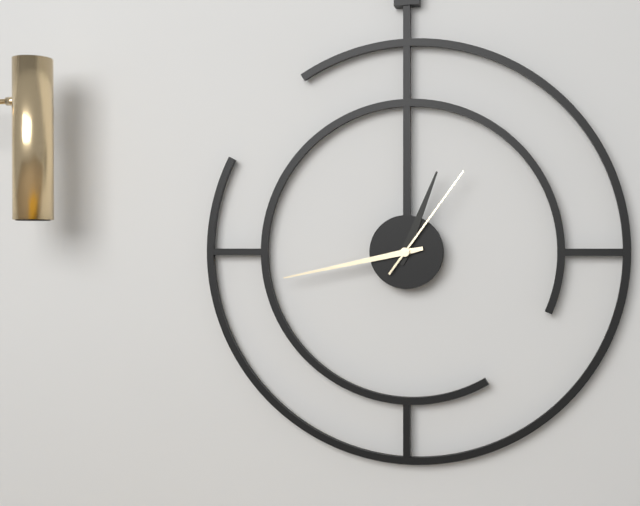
12:43:06
